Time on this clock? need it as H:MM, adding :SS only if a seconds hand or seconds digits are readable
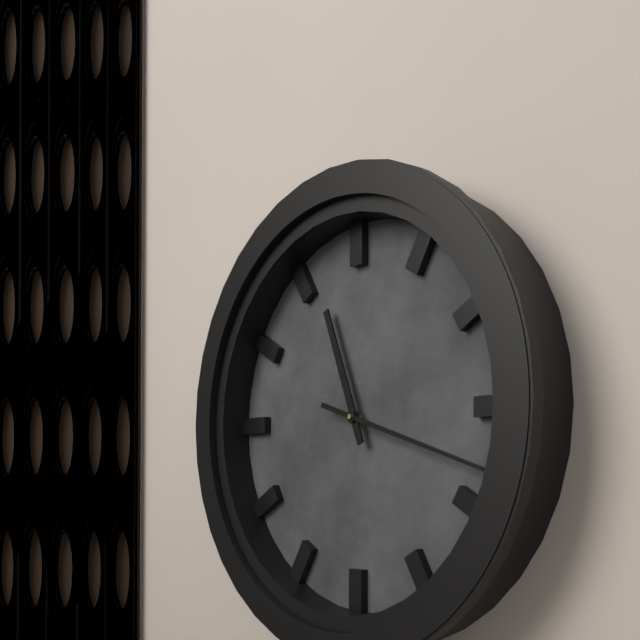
11:18
